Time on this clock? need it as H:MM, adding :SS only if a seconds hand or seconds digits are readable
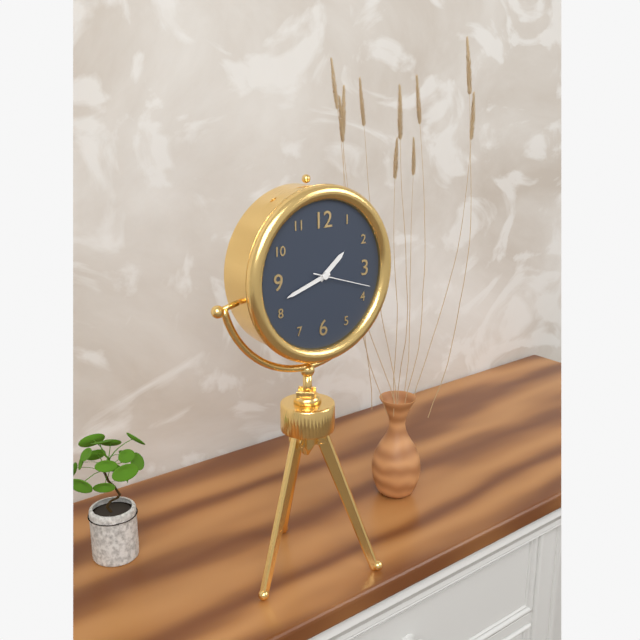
1:42:18
